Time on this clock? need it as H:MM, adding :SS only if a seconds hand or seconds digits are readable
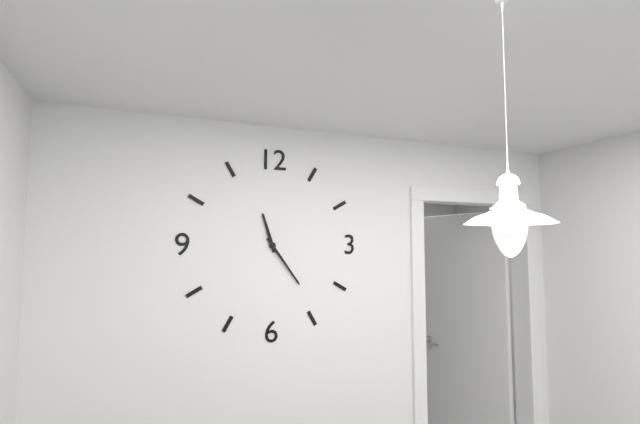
11:24
